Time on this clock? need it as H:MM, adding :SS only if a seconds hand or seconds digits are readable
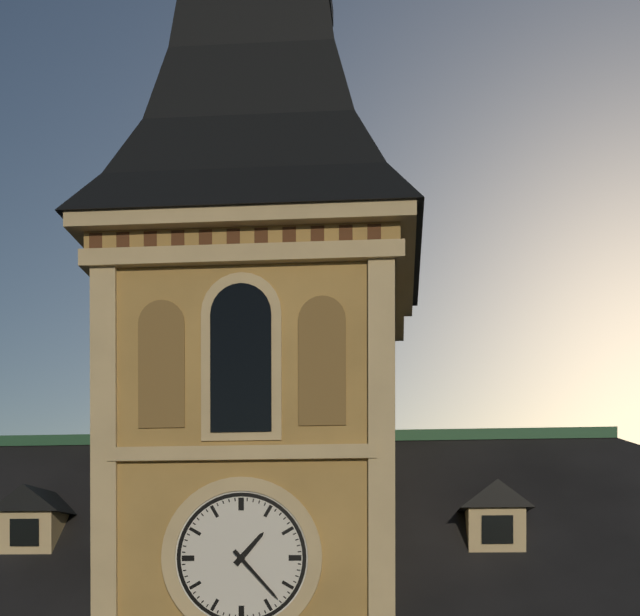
1:23
